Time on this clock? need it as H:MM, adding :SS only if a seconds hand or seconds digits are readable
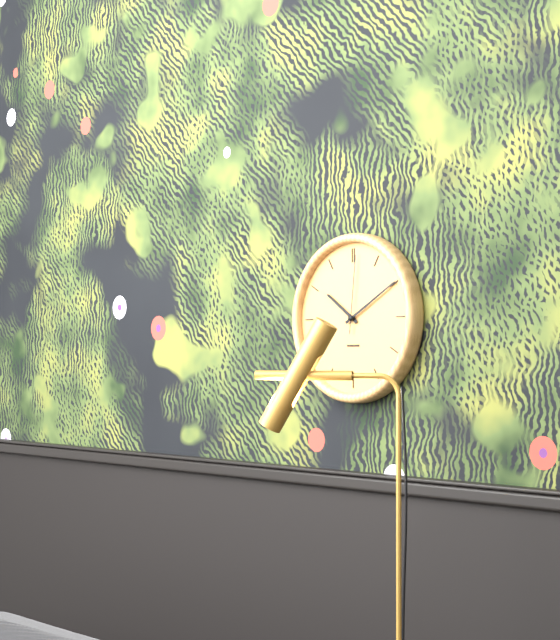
10:10:01
